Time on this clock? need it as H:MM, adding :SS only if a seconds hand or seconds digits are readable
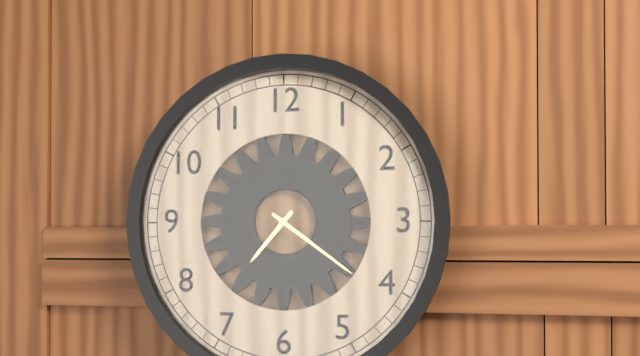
7:21
